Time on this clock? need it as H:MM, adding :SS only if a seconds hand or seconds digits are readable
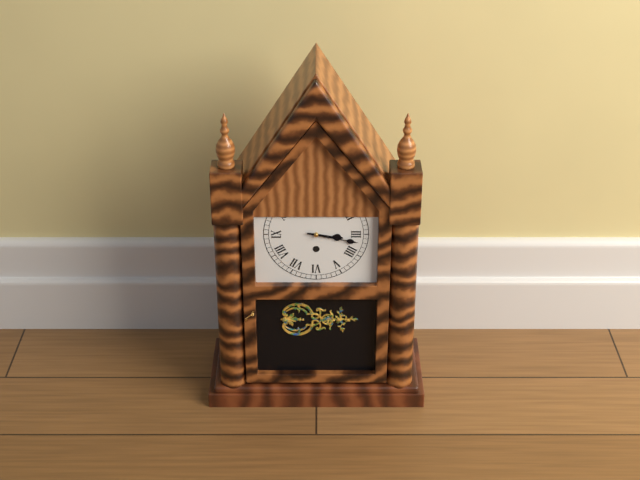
3:17
